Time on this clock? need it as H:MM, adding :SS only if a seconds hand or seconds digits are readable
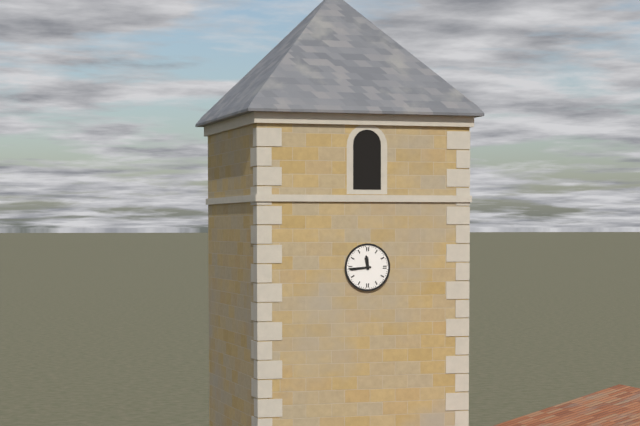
11:44
